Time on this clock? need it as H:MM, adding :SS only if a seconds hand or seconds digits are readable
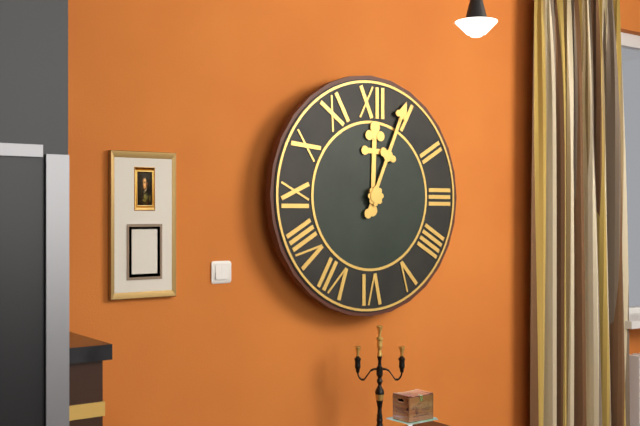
12:04
